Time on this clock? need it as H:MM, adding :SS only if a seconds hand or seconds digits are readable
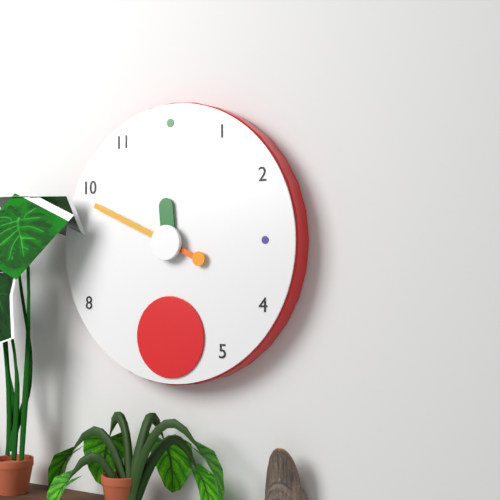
11:49
